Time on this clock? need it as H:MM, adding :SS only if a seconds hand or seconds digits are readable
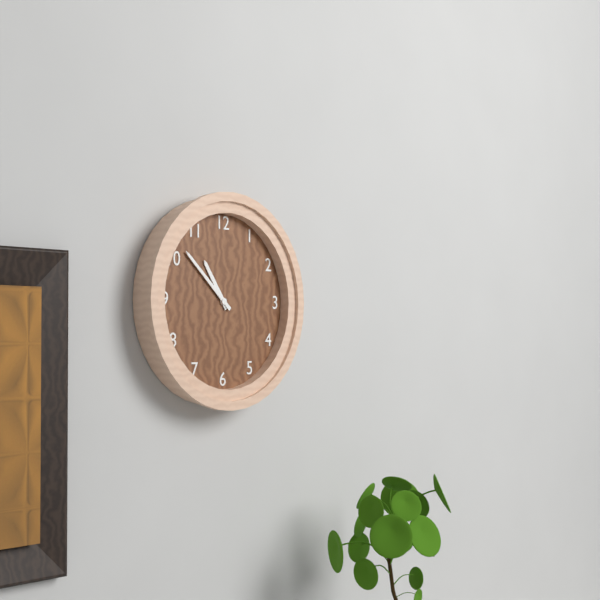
10:52
